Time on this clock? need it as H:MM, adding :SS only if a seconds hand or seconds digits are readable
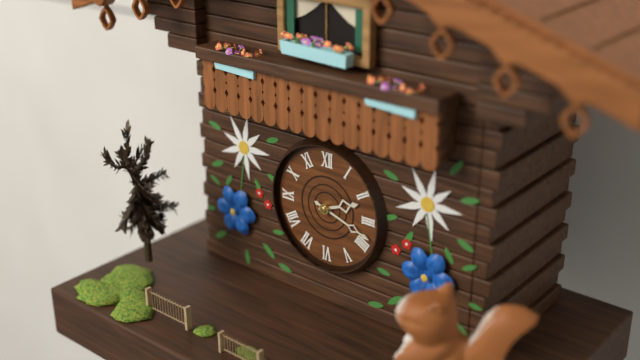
2:18
